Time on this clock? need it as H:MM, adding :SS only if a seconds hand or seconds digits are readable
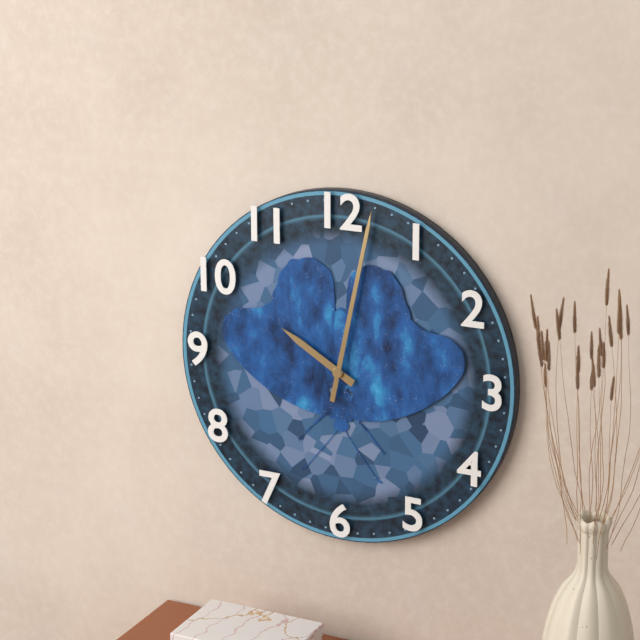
10:02
